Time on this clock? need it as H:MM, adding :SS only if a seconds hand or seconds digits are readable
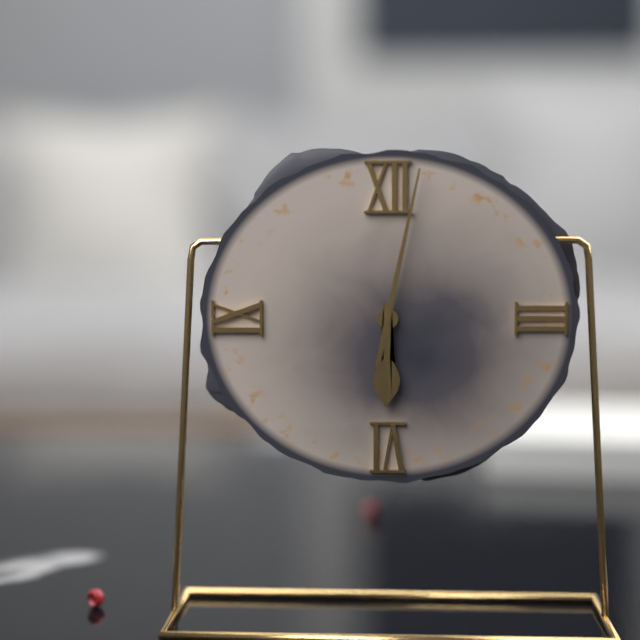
6:02
